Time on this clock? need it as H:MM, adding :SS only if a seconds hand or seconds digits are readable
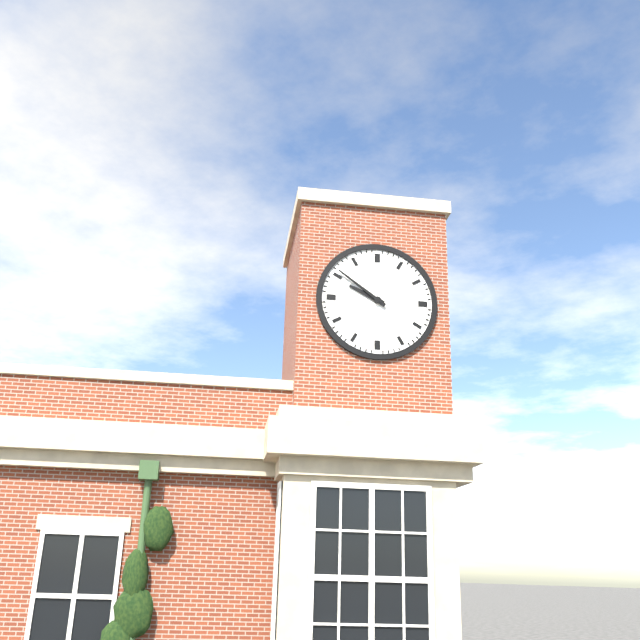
9:51
